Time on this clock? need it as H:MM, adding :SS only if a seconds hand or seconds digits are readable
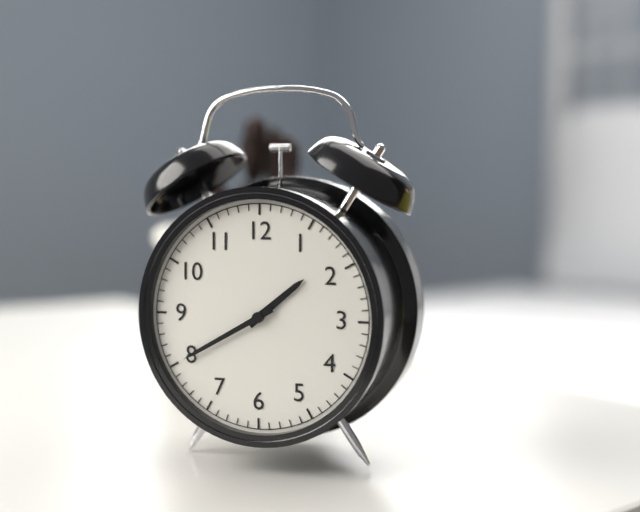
1:40
